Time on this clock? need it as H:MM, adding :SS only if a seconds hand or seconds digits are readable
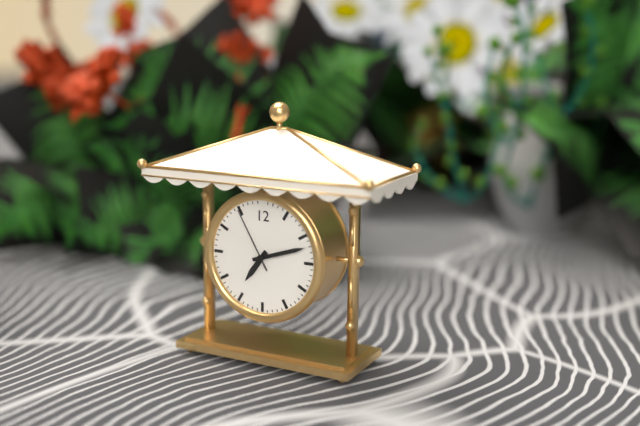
7:12:55
